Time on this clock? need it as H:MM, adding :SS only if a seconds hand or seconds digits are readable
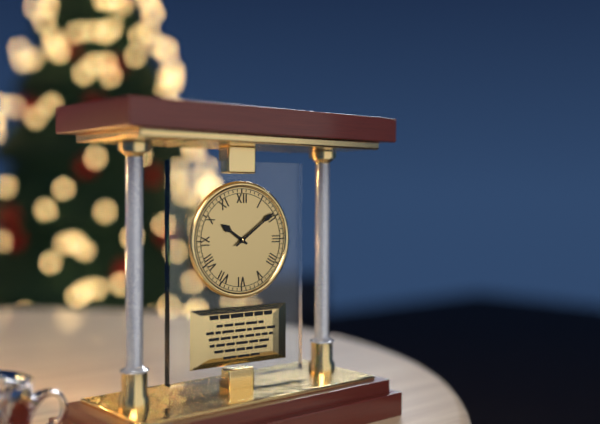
10:09
